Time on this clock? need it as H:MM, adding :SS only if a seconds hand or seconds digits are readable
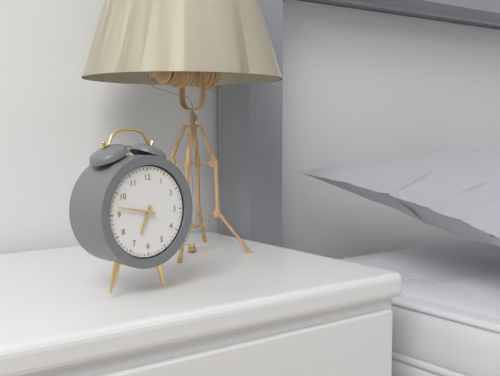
6:47
